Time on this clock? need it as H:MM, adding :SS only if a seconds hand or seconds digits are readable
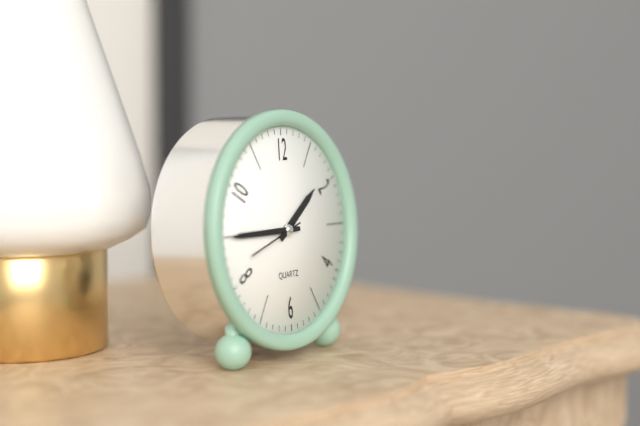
1:45:42
